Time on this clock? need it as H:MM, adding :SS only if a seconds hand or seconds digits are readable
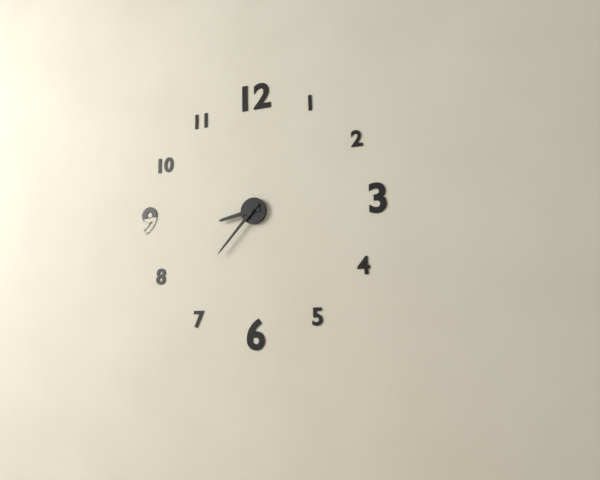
8:37
